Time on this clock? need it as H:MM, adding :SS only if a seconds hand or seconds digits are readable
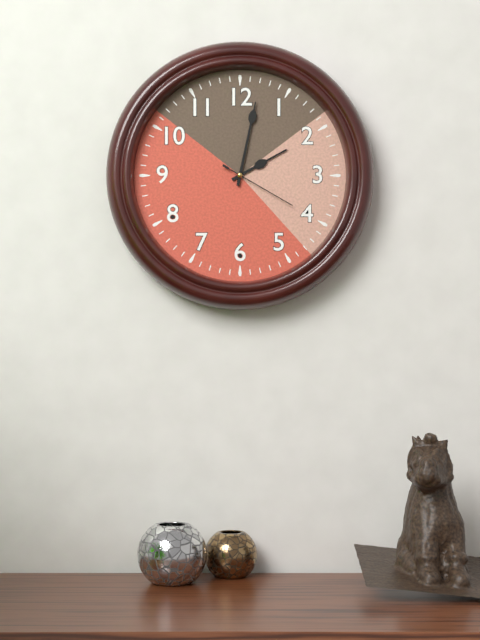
2:02:20
